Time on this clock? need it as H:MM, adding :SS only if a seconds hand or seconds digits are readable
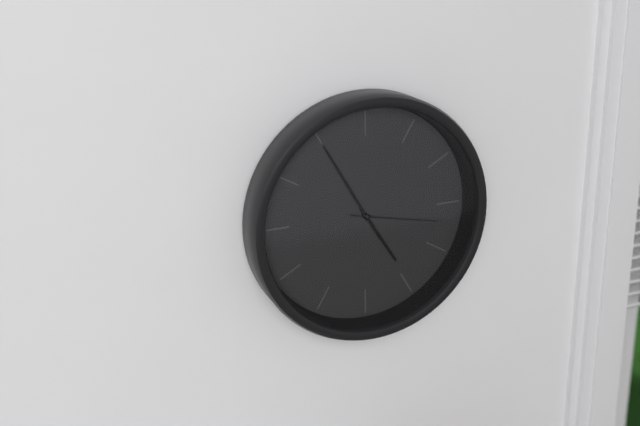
4:55:17
